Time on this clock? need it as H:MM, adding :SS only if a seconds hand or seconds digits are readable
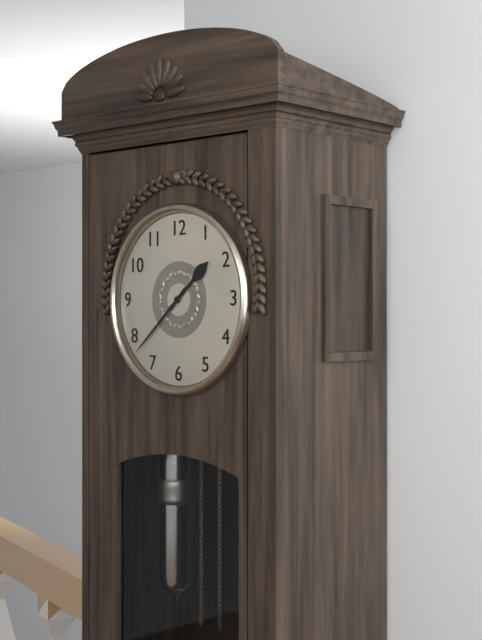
1:38
